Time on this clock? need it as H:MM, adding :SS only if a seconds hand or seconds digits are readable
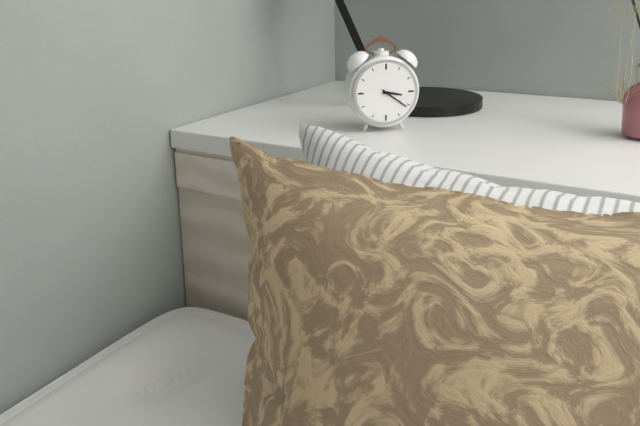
3:21
